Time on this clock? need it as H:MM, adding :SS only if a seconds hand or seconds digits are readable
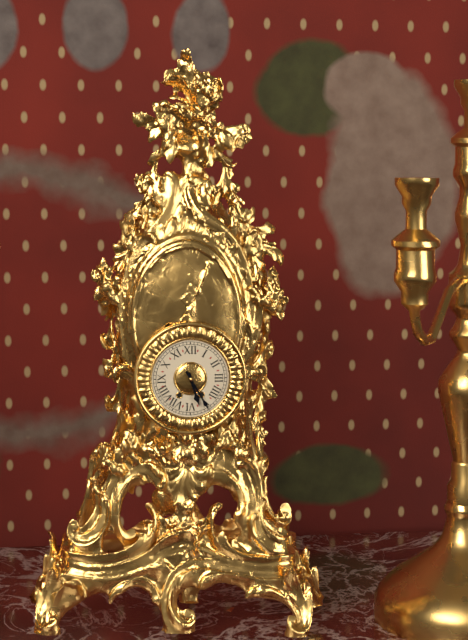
5:25
